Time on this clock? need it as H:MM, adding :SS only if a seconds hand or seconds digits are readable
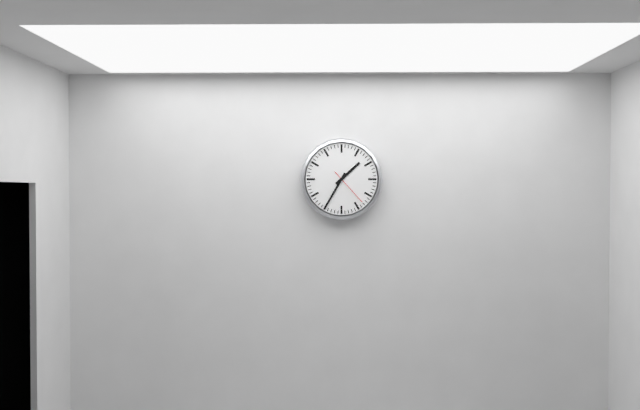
1:35
